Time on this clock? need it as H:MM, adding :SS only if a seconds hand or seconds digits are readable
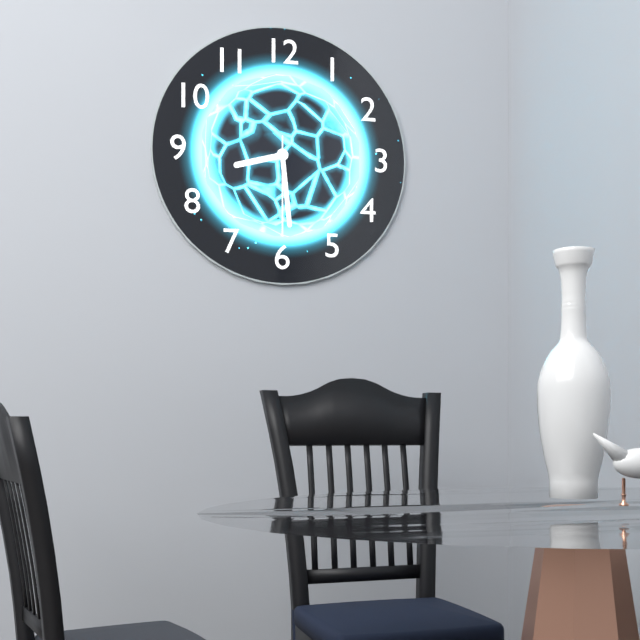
8:29:30
